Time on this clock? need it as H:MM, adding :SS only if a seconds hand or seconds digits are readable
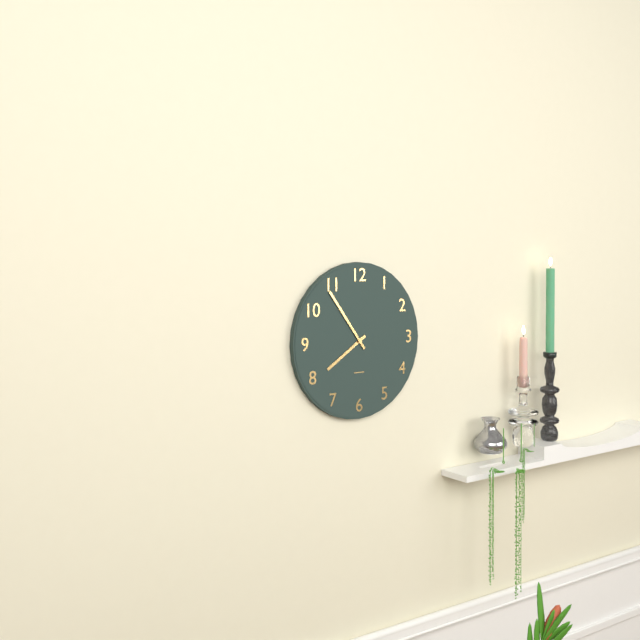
7:54
